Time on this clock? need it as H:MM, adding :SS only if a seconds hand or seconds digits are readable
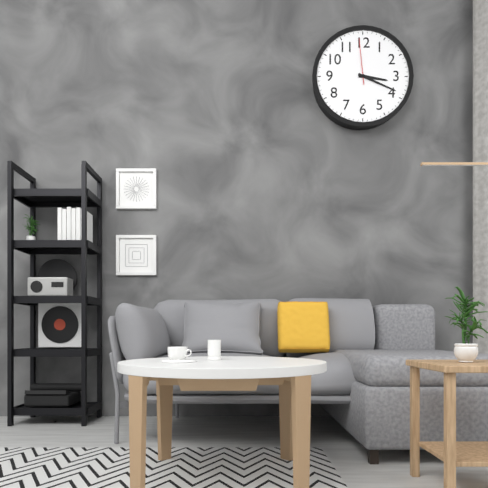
3:19
